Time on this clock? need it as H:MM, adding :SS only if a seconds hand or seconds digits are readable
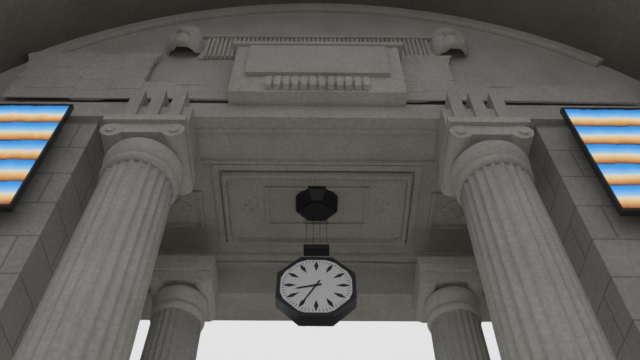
8:35
